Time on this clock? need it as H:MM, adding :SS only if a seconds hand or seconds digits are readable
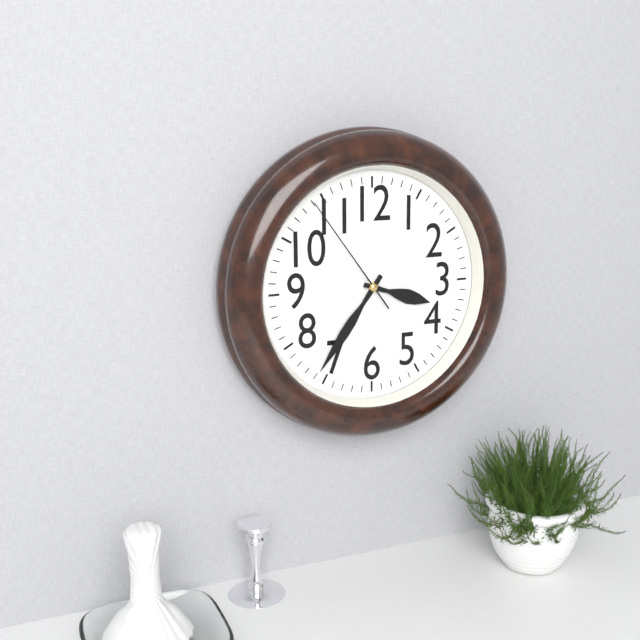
3:36:54
